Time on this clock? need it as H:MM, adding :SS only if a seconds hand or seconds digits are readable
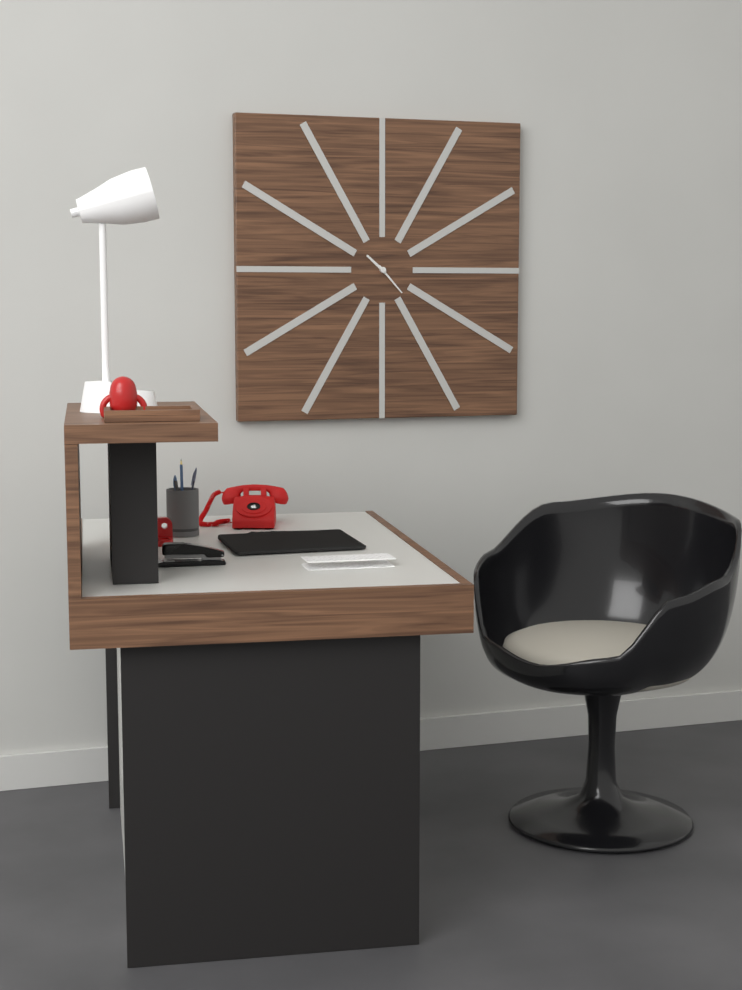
10:23
